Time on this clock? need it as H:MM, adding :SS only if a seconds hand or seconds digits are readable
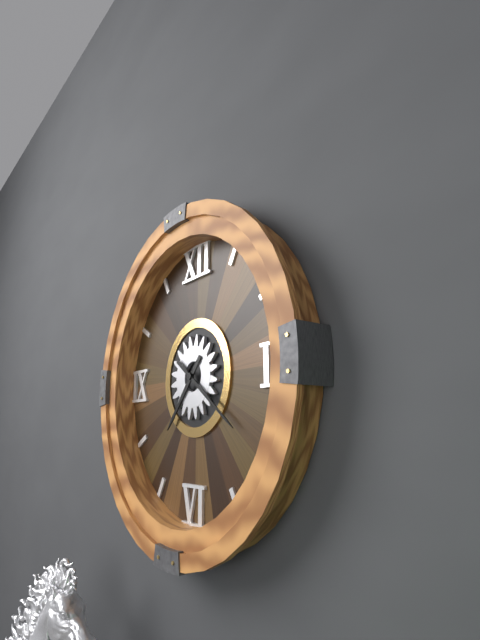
7:21
